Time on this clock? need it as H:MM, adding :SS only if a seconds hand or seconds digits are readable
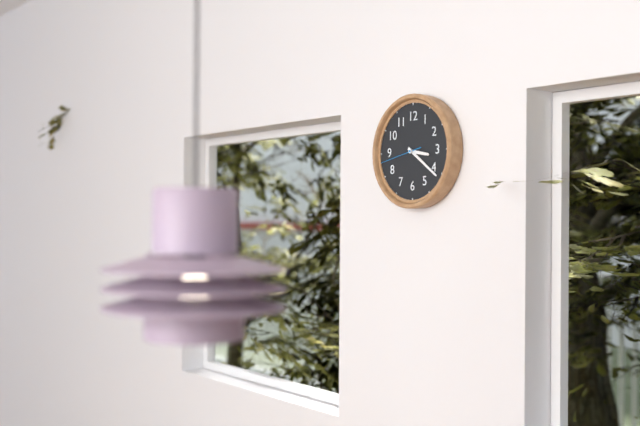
3:21
